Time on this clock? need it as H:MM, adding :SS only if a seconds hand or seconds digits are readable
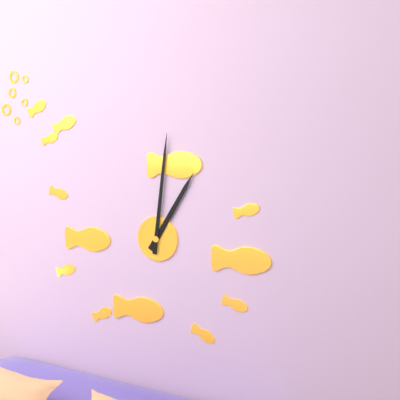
1:01
